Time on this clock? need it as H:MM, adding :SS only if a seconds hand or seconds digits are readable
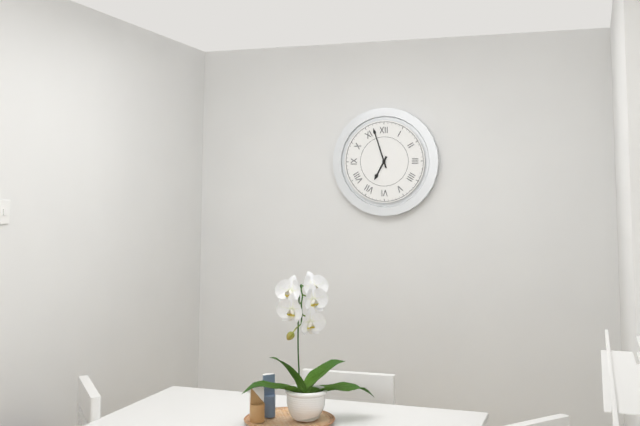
6:57
